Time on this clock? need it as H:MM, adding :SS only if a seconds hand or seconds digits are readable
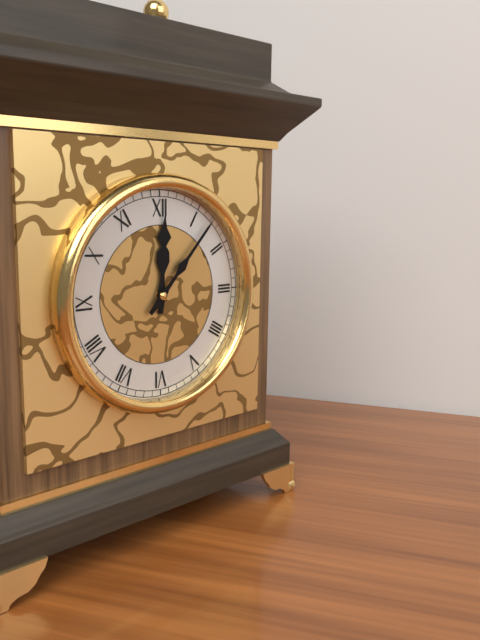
12:07
